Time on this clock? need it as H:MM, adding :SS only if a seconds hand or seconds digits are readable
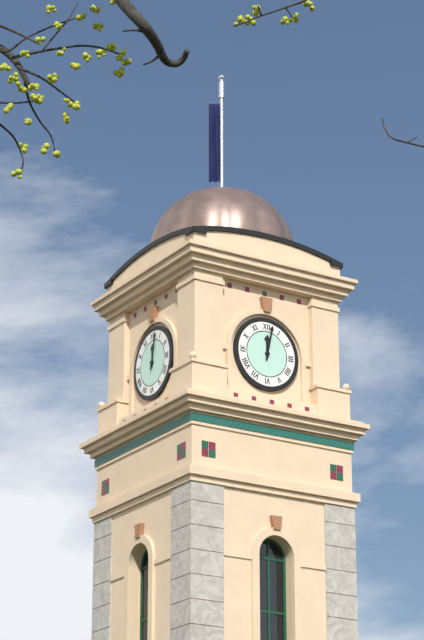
12:02
